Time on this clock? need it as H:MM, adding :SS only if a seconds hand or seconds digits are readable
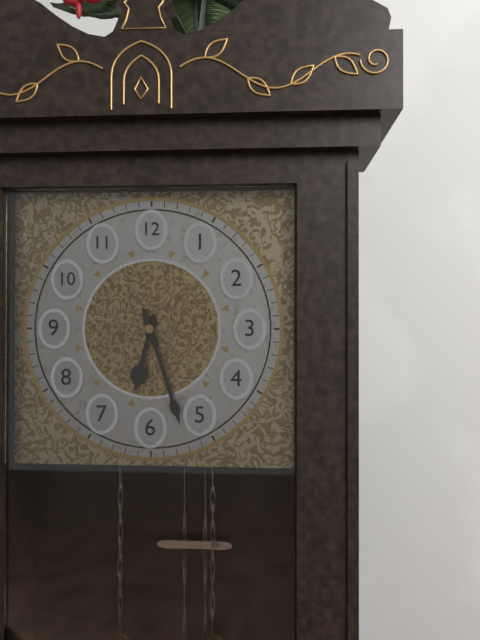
6:27
